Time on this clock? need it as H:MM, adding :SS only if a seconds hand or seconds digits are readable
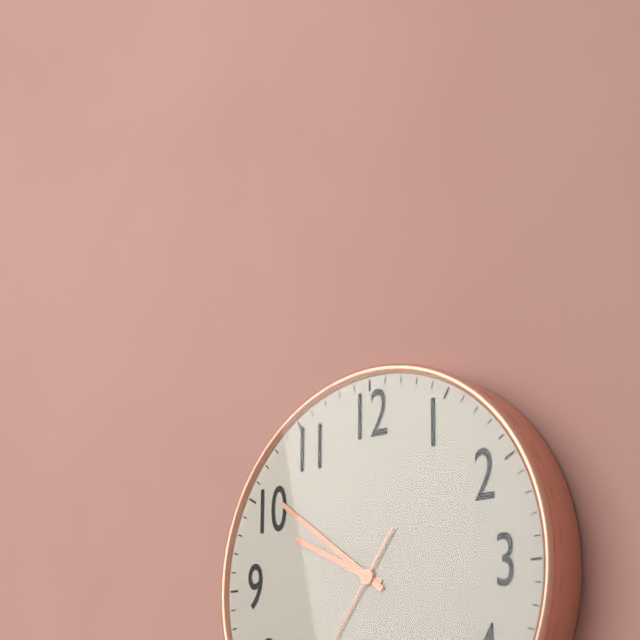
9:51
